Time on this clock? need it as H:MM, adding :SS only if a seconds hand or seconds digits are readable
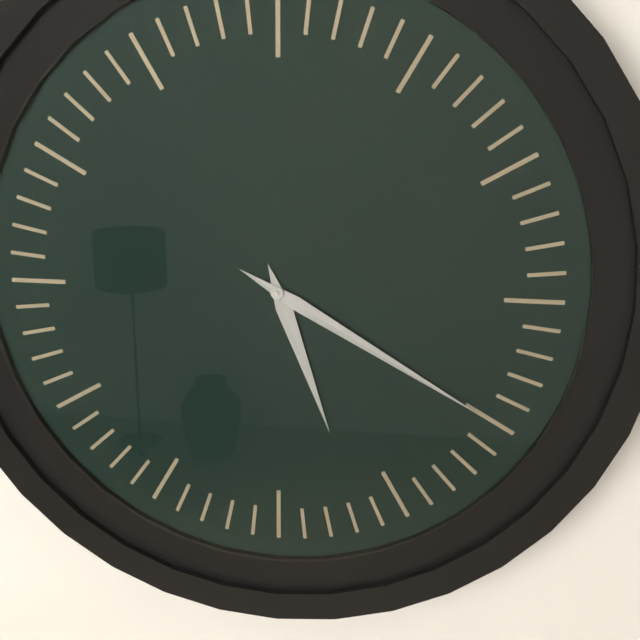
5:20
